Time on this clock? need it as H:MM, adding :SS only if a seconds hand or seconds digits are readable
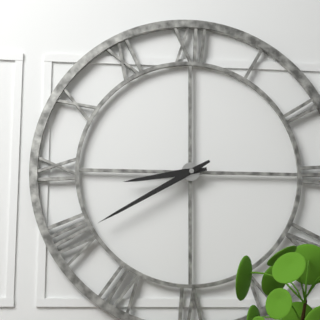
8:40
